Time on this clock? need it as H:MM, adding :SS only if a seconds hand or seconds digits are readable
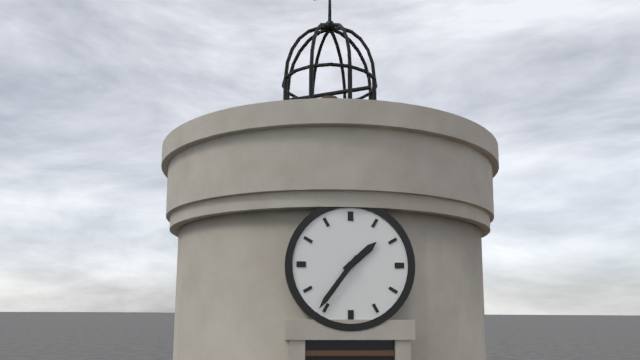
1:36
